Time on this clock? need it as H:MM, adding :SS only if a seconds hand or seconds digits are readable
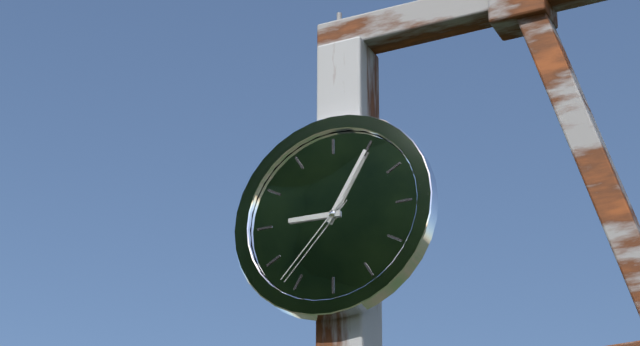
9:05:37
